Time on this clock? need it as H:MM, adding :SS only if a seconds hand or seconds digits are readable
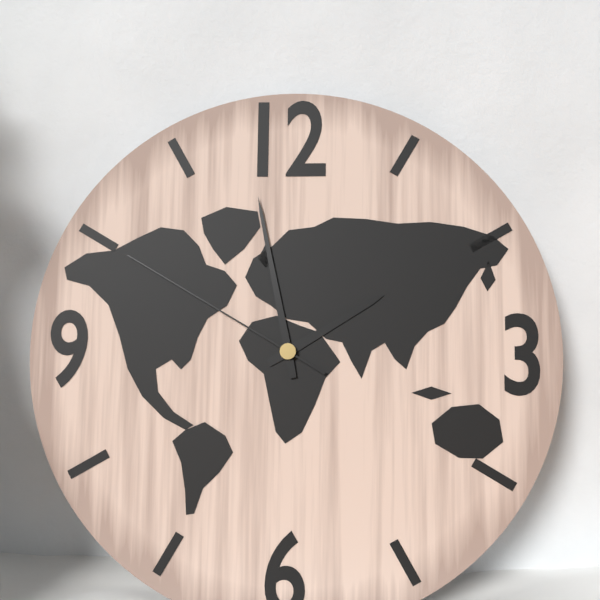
1:58:50
